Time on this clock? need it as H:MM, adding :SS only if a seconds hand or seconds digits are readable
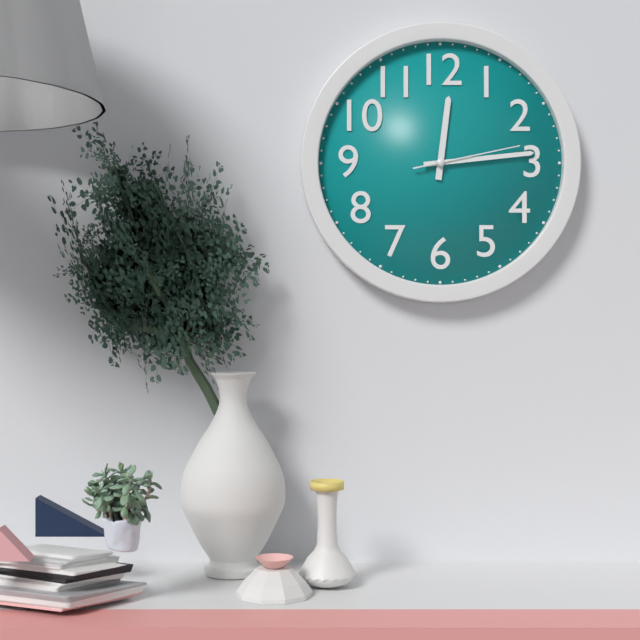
12:14:13
